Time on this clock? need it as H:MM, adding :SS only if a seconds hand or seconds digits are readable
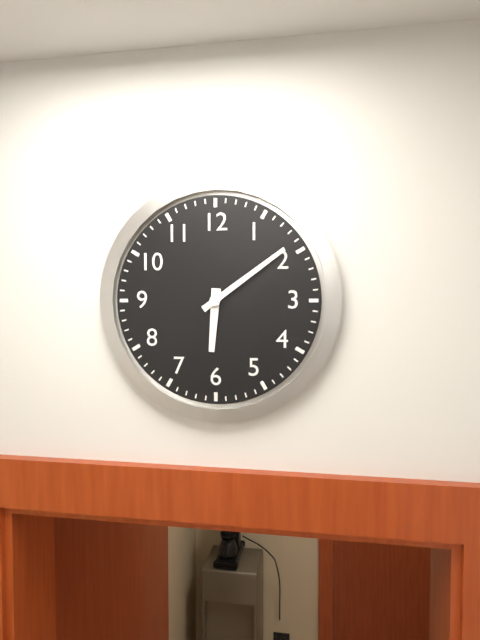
6:09
